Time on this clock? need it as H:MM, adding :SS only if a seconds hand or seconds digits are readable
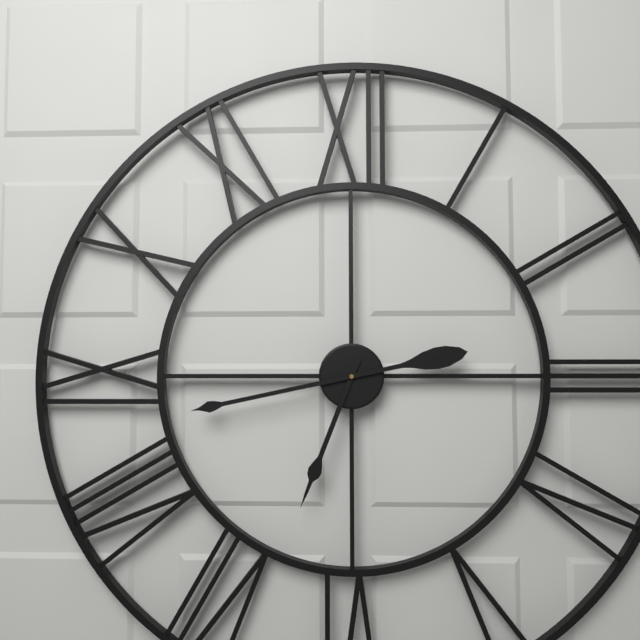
6:43
